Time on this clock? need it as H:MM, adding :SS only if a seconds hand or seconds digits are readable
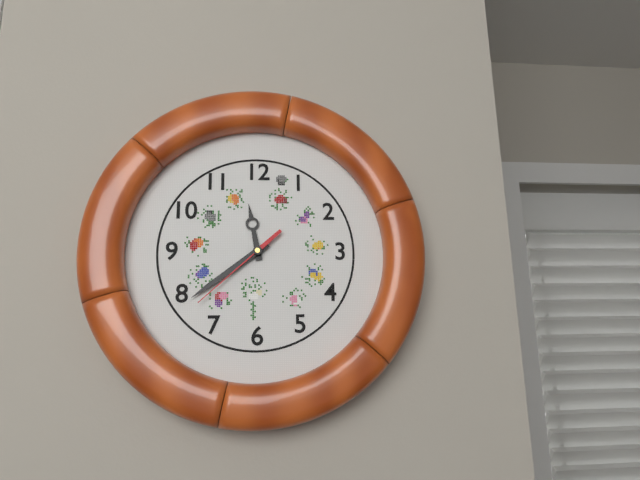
11:39:38
